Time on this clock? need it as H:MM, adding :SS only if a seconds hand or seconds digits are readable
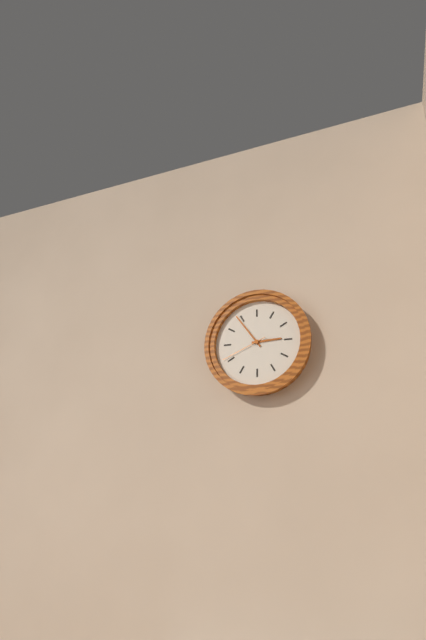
2:54
